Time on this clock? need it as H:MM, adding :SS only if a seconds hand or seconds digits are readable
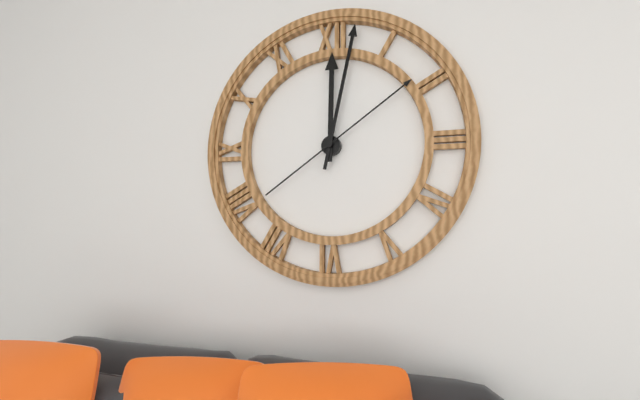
12:02:09
